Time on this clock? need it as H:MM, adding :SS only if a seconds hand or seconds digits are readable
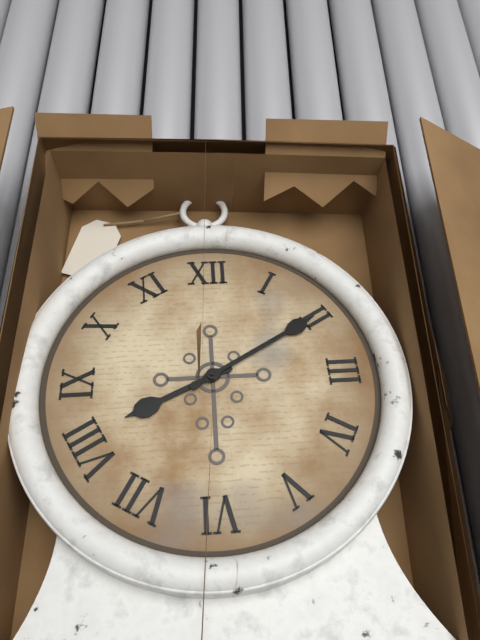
8:10
